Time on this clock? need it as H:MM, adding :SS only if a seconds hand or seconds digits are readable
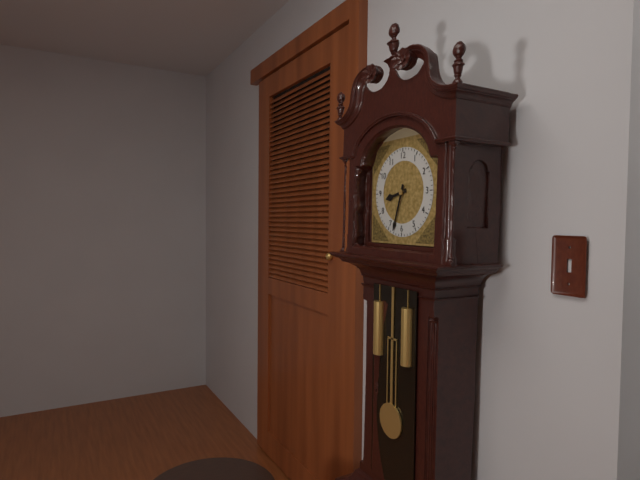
8:33
